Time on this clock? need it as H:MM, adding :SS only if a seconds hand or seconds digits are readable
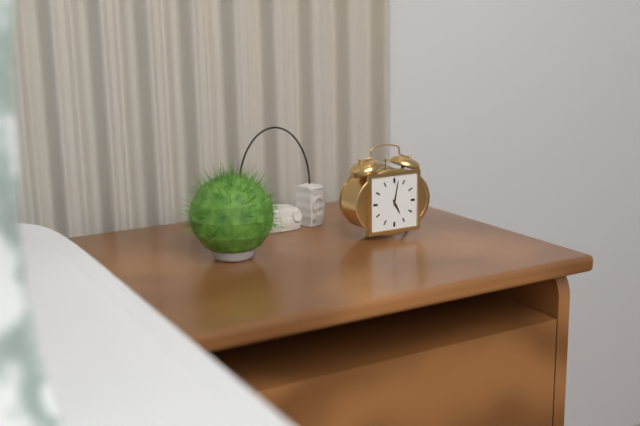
5:02
